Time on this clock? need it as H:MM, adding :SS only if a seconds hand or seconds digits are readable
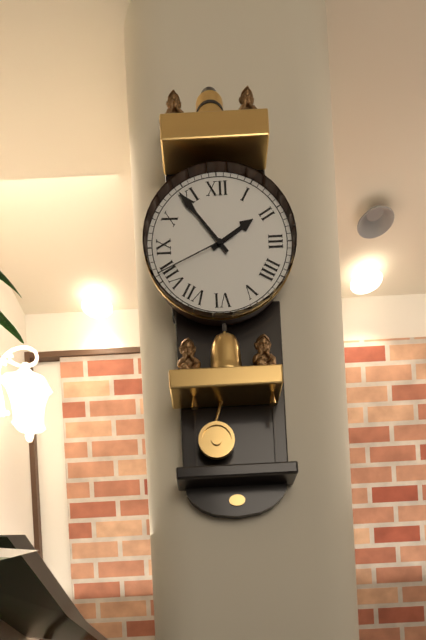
1:54:41
